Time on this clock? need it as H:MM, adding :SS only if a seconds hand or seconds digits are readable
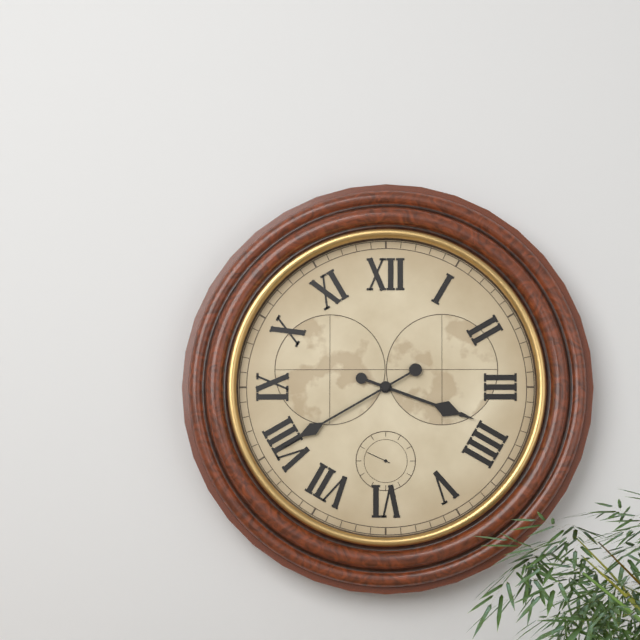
3:40
